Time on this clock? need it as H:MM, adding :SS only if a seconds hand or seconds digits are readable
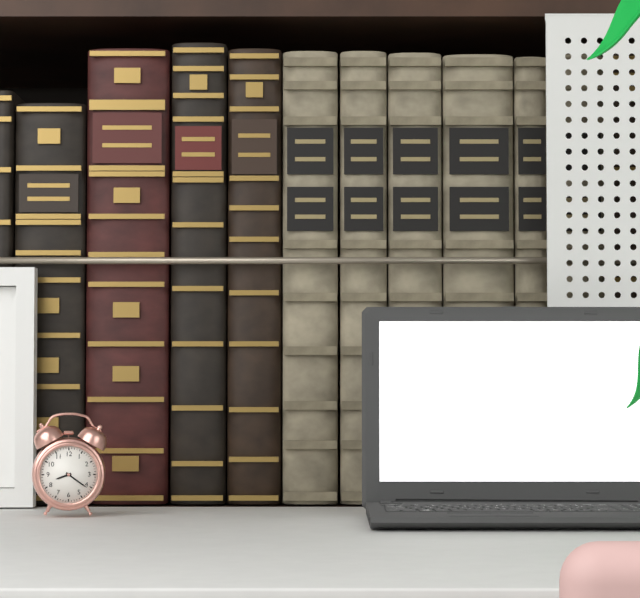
8:21
